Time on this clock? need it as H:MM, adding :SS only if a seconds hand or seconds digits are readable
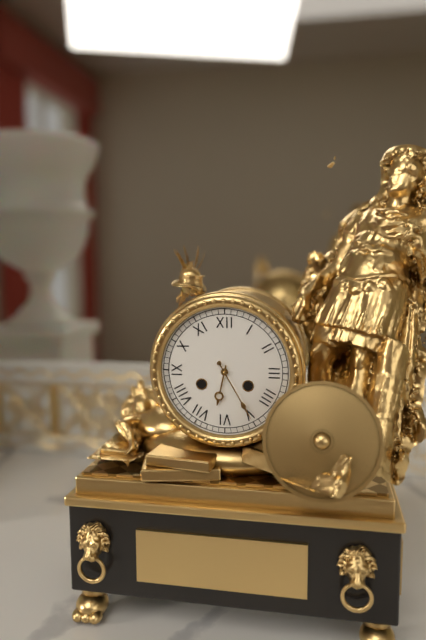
6:25
